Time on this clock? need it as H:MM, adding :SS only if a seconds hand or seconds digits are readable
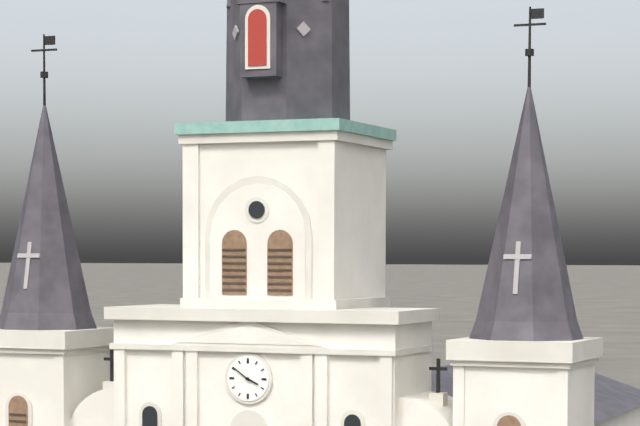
3:51
